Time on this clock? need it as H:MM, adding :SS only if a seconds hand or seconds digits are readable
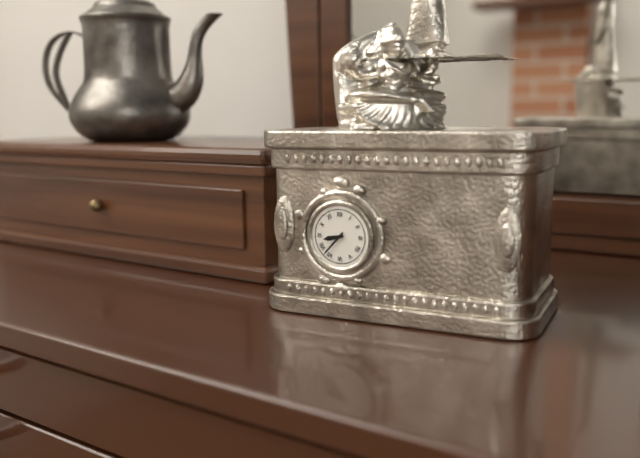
8:37
